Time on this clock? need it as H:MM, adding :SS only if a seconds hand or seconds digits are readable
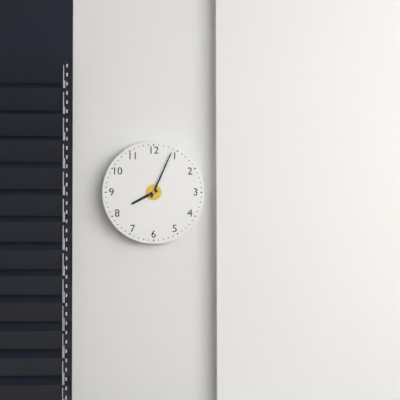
8:04
